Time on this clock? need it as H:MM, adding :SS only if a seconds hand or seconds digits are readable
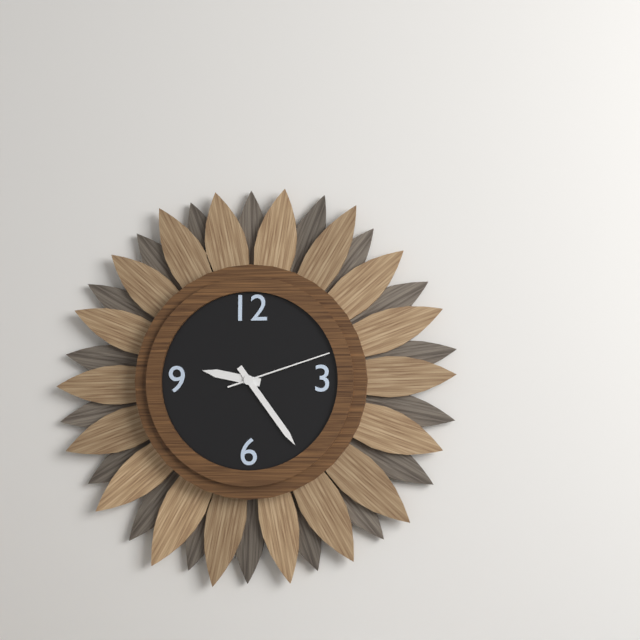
9:24:12
